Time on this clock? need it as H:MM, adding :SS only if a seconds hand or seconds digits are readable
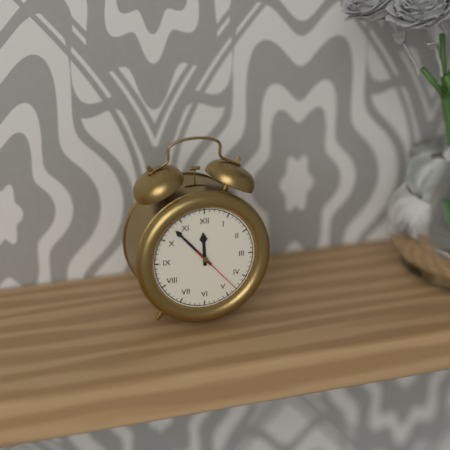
11:53:23
